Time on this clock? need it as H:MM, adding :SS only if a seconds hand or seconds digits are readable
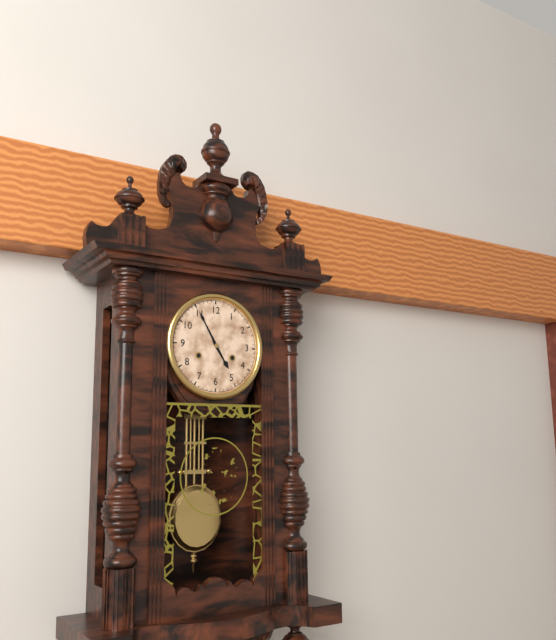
4:55
